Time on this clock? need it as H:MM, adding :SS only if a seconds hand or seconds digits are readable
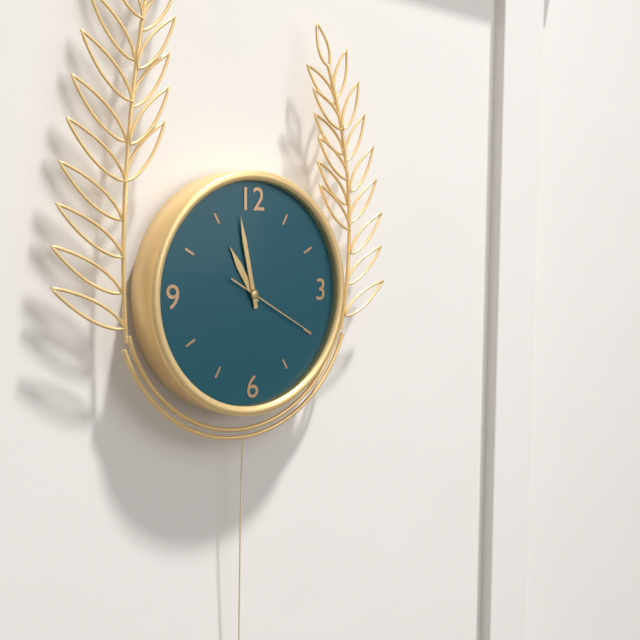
10:58:20
